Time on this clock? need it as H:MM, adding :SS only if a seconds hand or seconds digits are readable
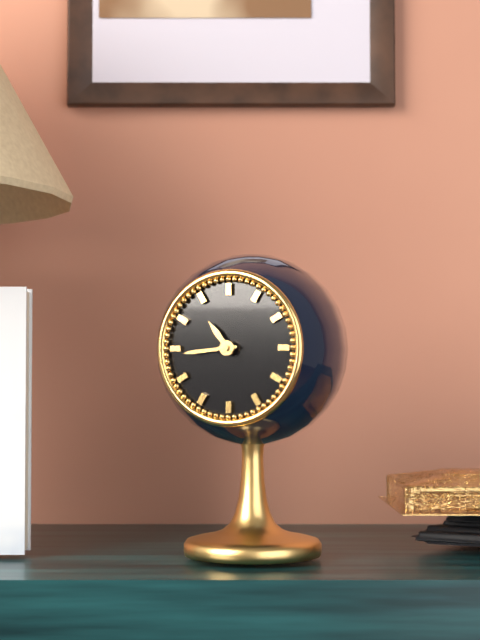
10:44
